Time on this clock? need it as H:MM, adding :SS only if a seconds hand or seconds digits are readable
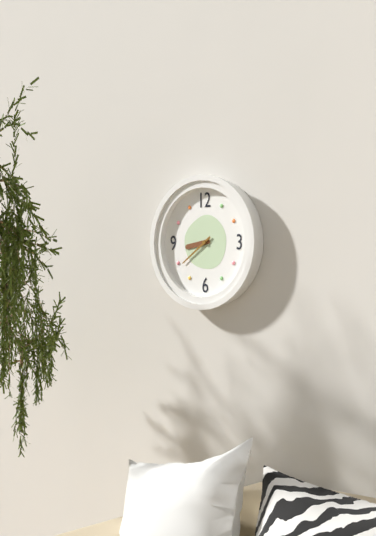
8:39
